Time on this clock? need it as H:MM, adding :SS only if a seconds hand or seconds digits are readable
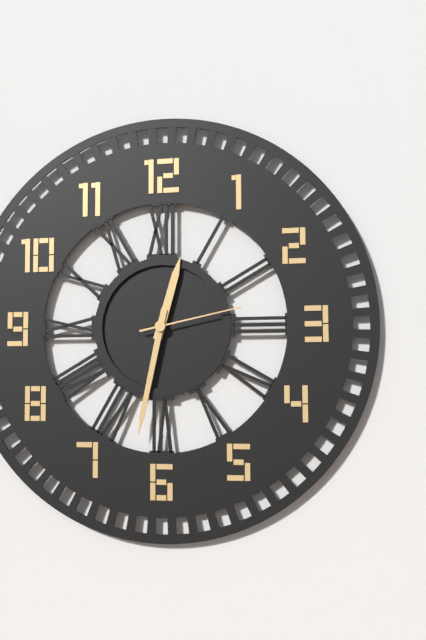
12:32:13
